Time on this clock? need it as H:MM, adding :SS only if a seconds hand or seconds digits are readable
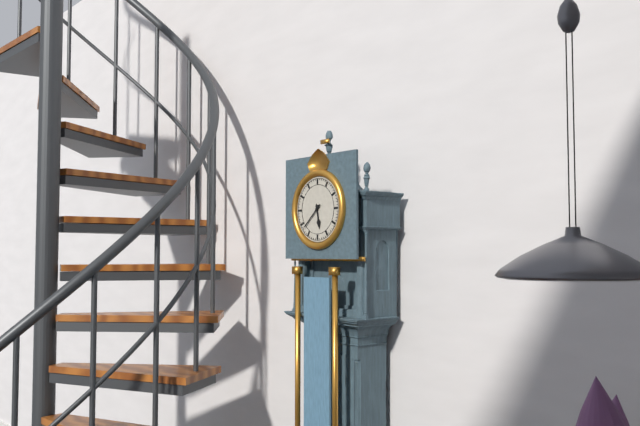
5:38
